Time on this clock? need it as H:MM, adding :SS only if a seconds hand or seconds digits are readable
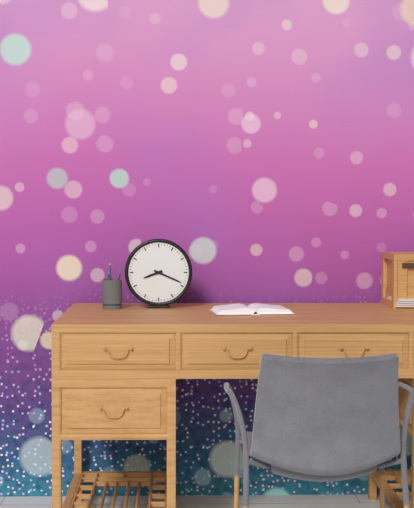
8:19
